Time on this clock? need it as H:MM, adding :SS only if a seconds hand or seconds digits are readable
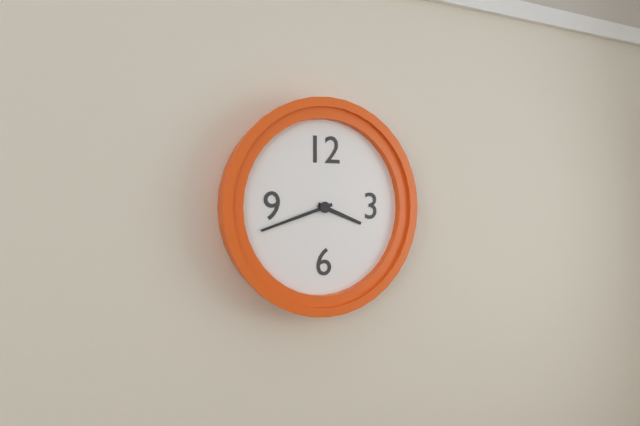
3:42
